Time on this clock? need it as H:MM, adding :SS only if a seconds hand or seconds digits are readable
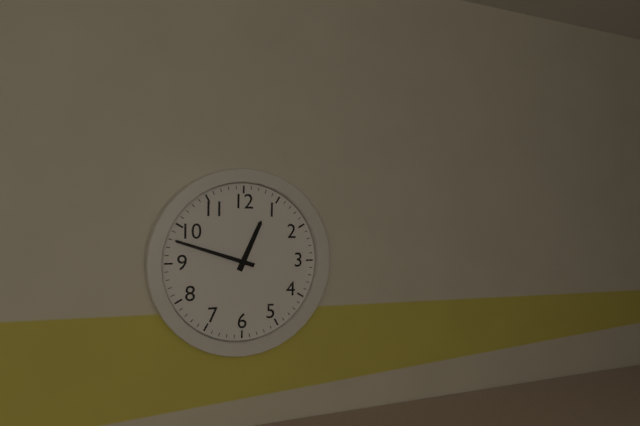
12:48
